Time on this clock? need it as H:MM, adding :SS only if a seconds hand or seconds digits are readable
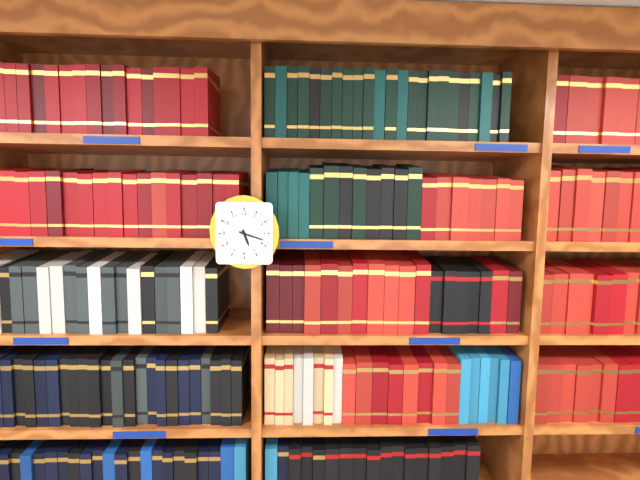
5:18
